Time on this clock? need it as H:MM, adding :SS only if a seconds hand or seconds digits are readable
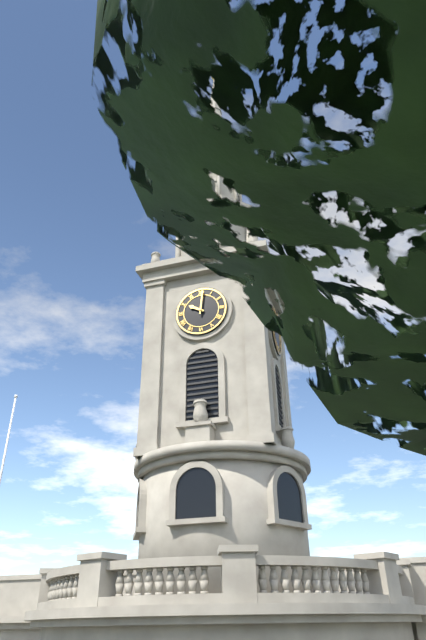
10:01
